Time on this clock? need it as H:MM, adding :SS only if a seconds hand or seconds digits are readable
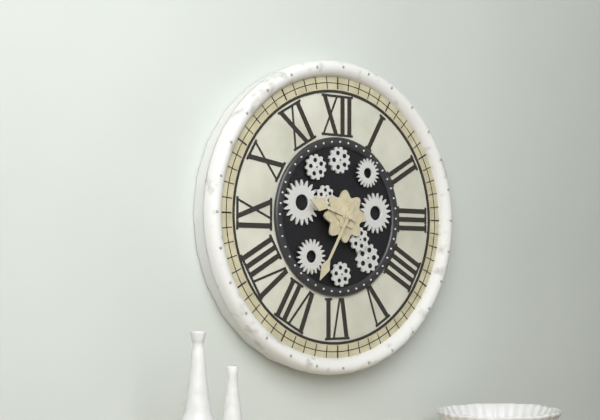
9:35
